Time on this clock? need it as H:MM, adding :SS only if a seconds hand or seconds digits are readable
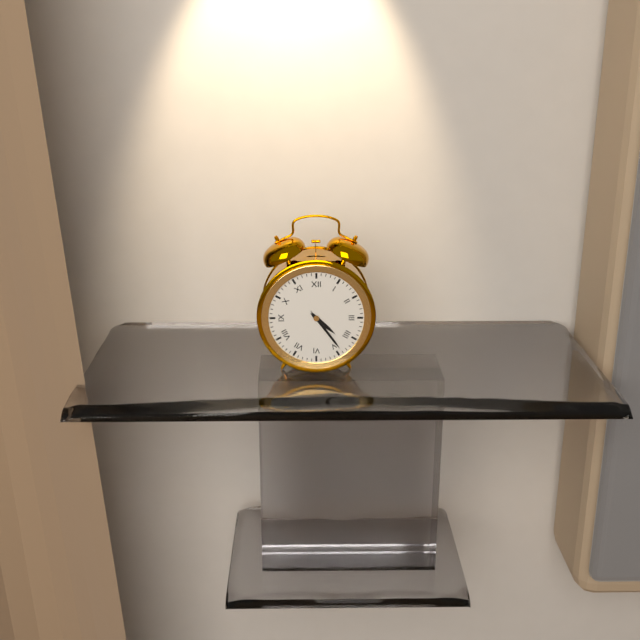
4:24
